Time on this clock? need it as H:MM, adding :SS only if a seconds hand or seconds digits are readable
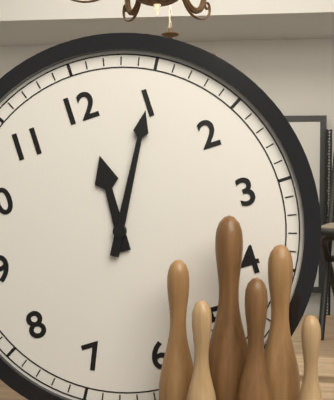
12:05
